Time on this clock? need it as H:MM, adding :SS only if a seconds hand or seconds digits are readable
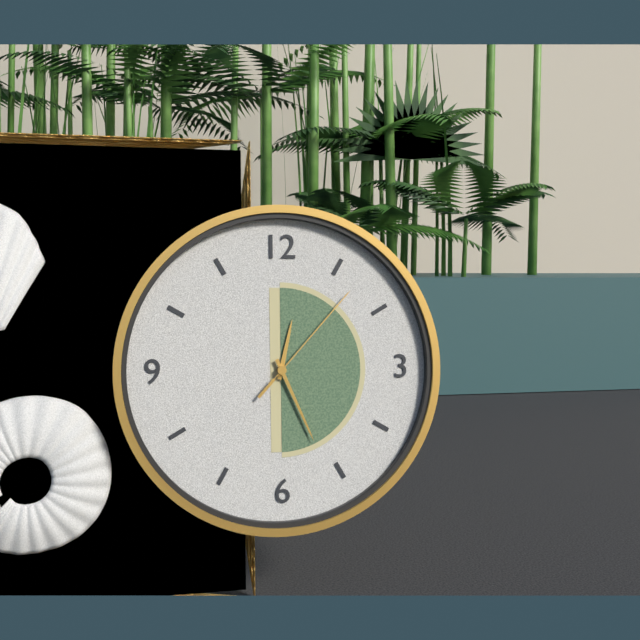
12:26:07
